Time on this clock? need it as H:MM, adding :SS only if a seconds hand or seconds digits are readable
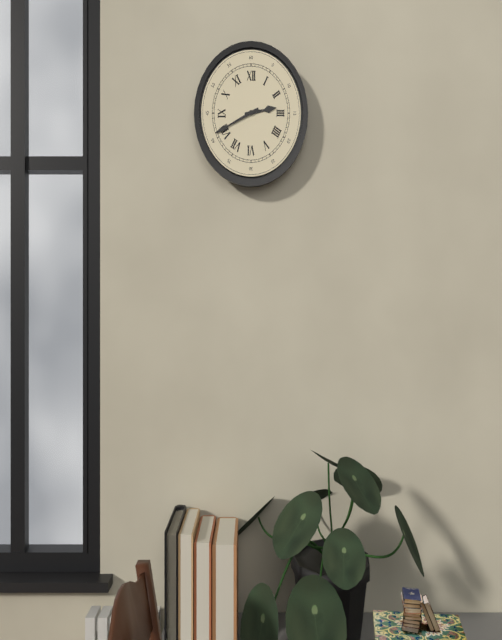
2:41
